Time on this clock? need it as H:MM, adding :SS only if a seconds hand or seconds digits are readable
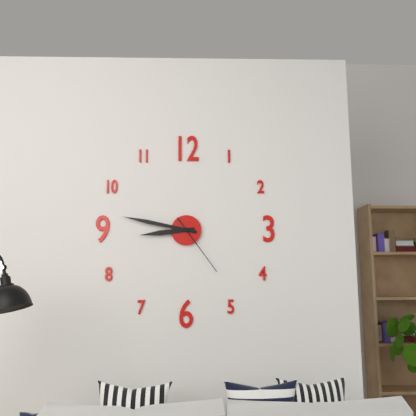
8:47:24
